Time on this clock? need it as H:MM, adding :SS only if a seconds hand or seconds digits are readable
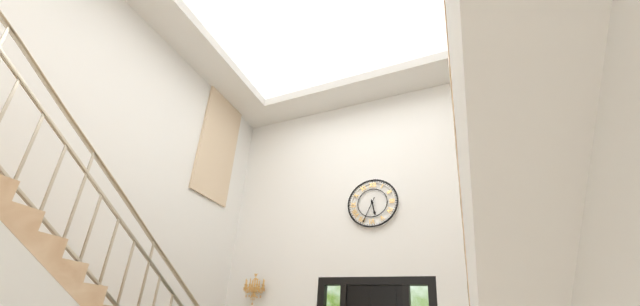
5:34
